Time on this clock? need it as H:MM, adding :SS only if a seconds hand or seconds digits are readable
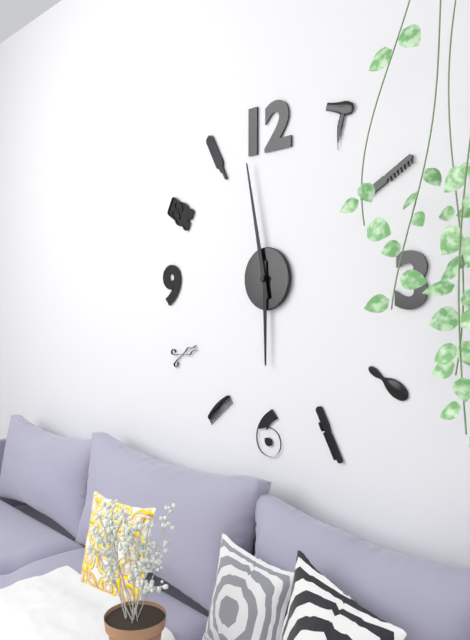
5:58
